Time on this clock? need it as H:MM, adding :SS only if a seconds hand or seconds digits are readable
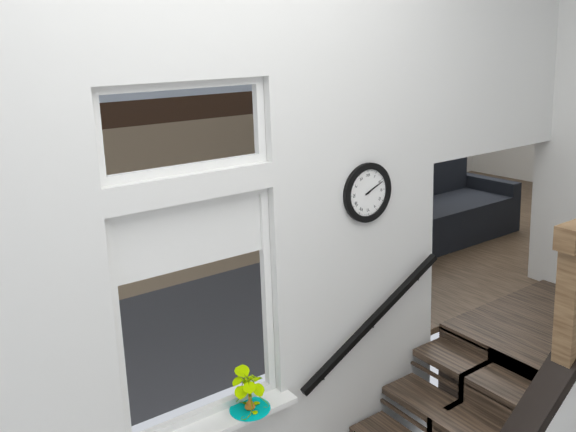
2:11
